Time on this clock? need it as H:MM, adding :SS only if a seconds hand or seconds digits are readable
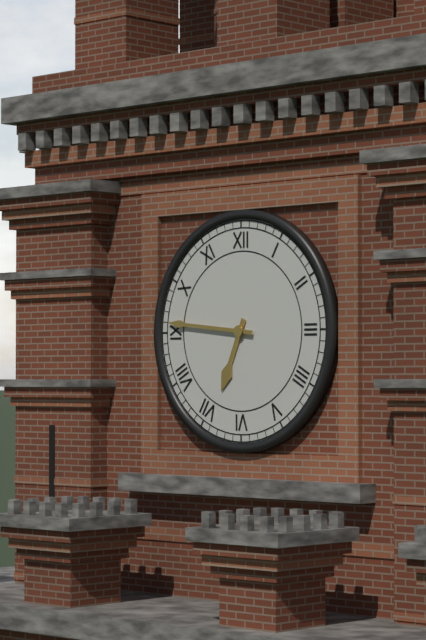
6:46
